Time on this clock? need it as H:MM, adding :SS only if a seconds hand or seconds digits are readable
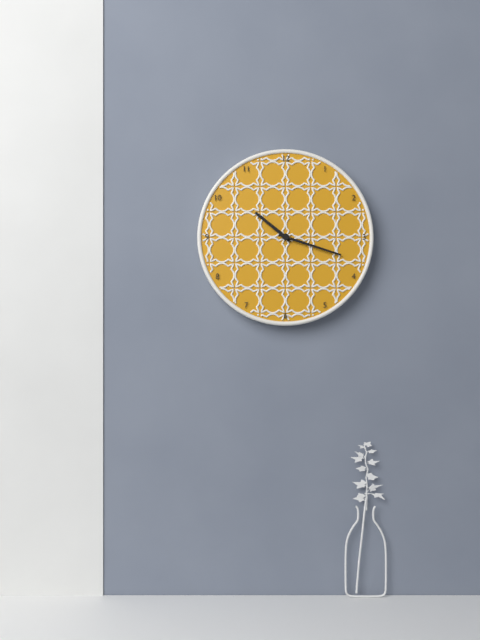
10:18
